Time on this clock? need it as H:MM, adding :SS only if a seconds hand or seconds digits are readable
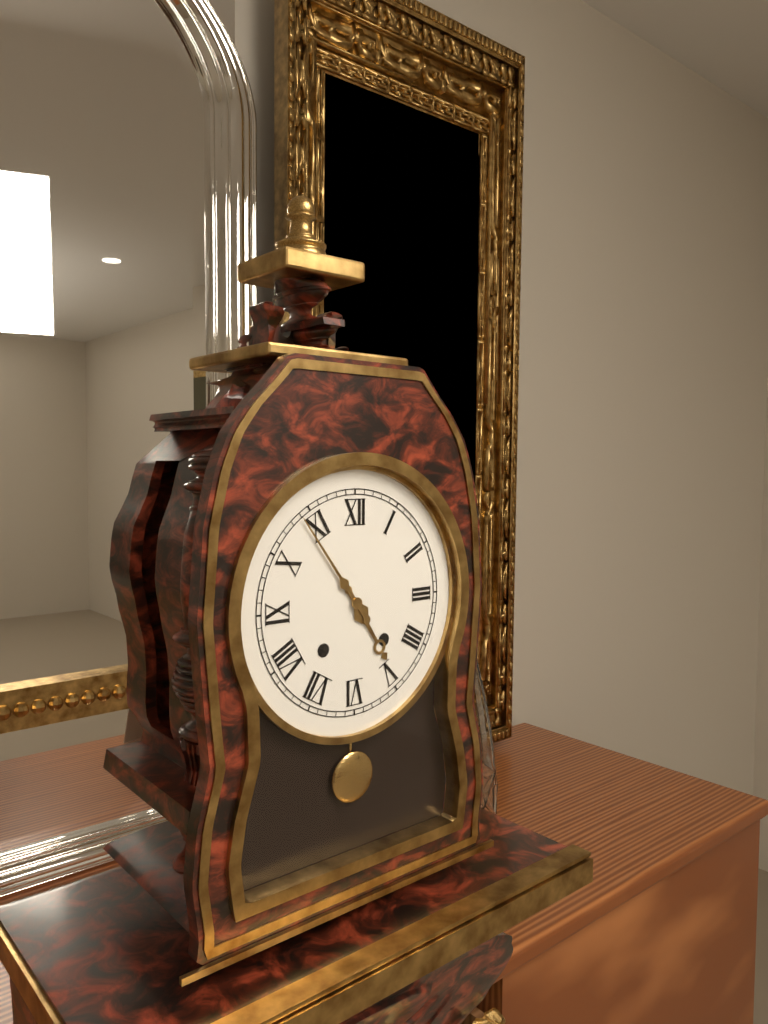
4:54
